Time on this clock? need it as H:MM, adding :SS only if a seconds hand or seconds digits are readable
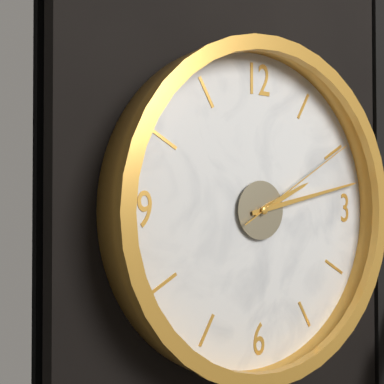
2:13:10
